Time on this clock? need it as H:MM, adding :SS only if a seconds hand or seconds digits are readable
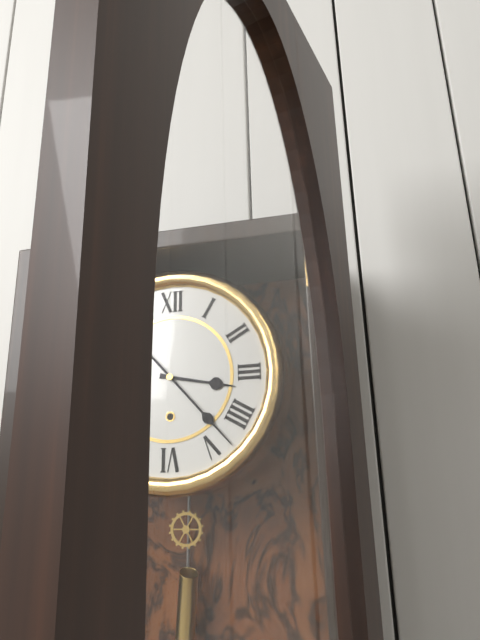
3:23
